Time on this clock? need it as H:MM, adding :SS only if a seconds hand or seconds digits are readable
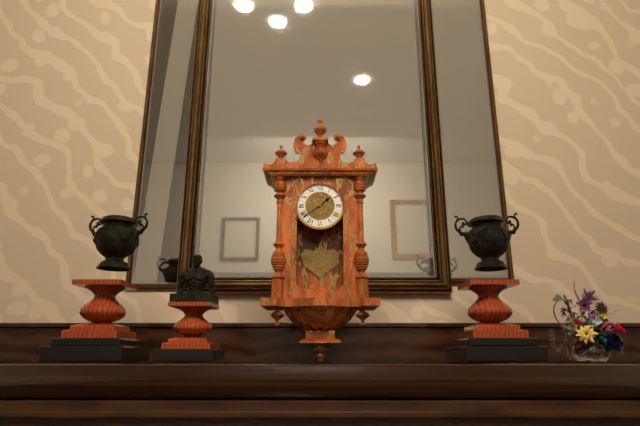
1:39
